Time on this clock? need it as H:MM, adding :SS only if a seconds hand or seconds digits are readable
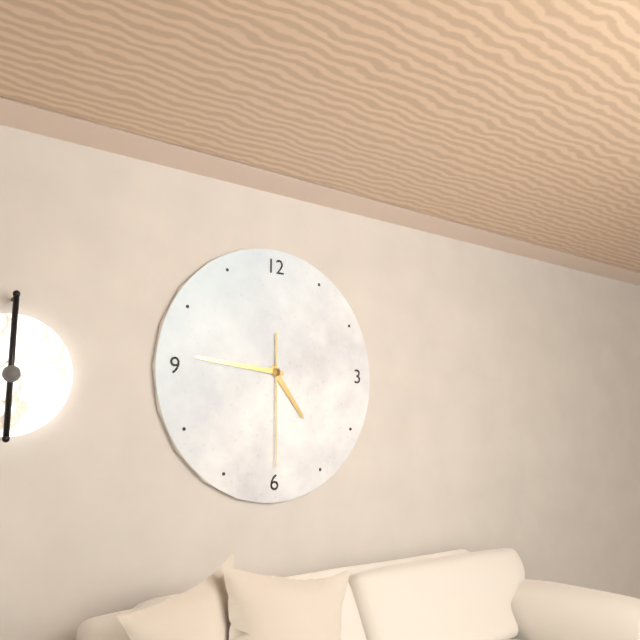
4:46:30
